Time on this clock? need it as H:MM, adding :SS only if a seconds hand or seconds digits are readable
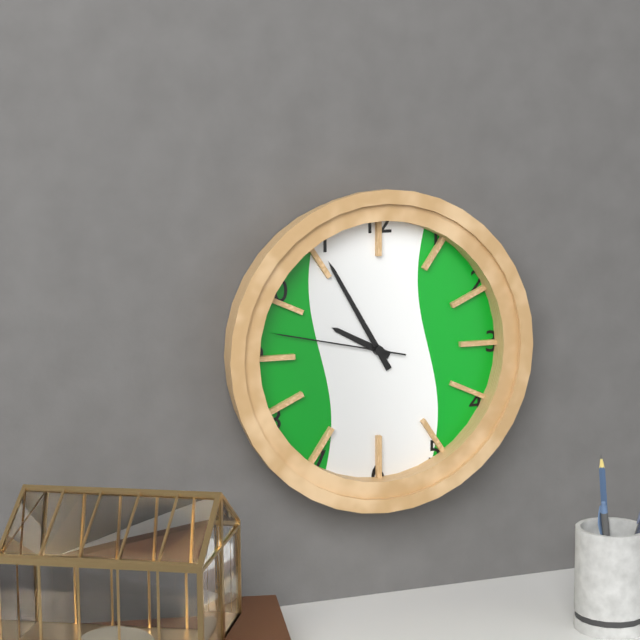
9:55:47
